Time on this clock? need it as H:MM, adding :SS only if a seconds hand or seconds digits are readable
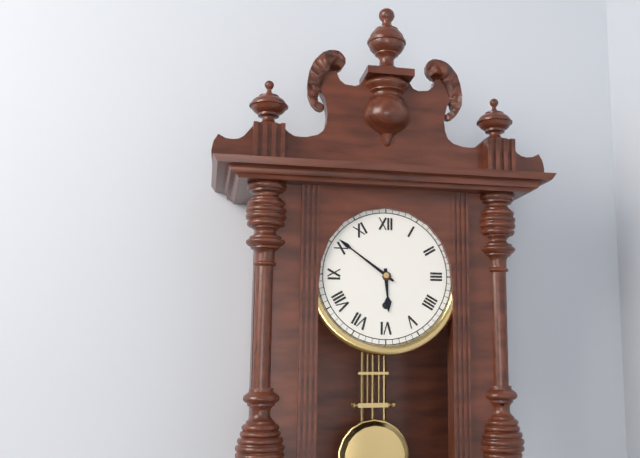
5:51
